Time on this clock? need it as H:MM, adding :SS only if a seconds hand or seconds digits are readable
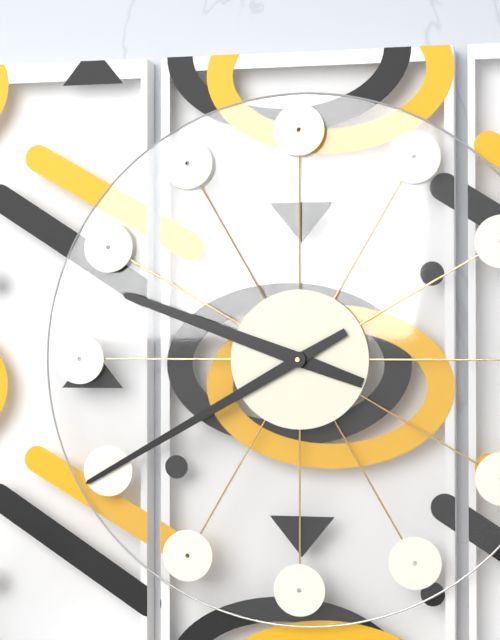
9:40
